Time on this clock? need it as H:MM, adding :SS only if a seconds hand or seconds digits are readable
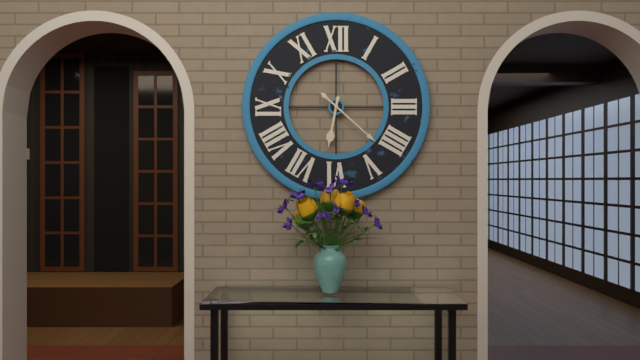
6:22
